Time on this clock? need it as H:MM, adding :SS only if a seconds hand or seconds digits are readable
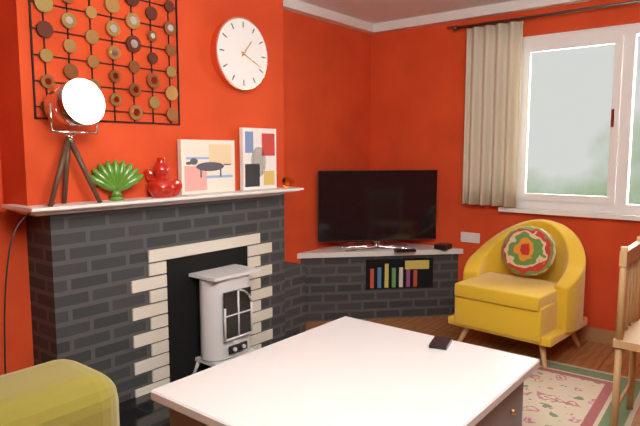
1:19
